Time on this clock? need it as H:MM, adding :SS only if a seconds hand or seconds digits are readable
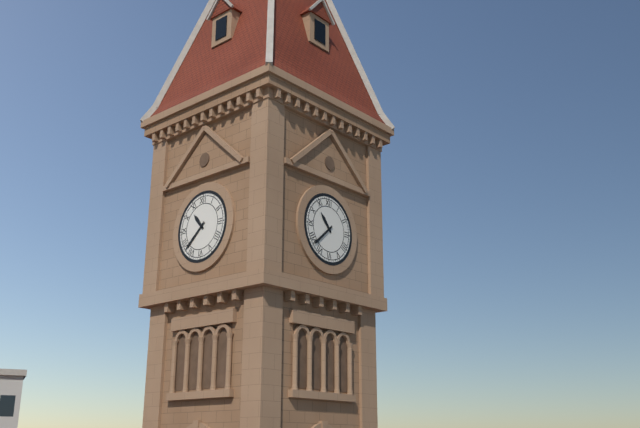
10:38
